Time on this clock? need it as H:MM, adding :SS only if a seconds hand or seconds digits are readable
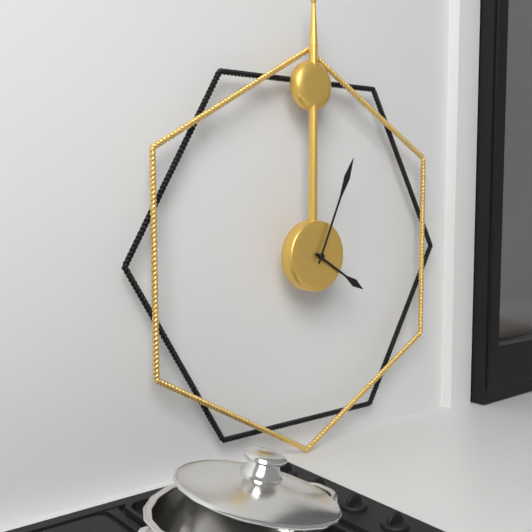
4:04
